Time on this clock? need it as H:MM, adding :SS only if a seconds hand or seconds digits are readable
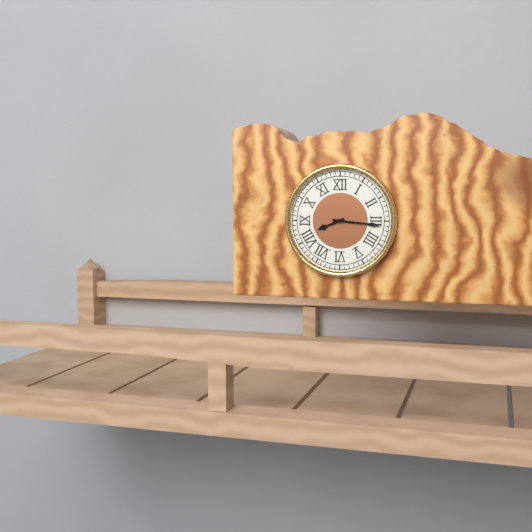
8:16
